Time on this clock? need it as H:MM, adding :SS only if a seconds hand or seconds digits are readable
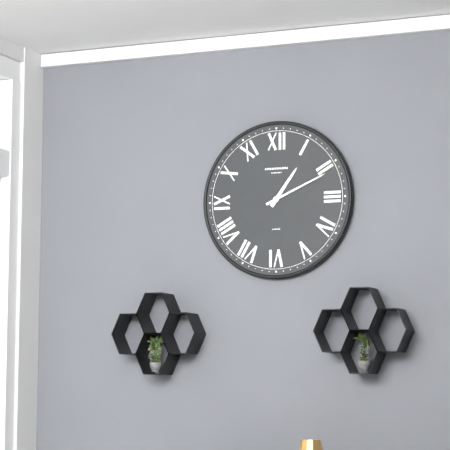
1:11
